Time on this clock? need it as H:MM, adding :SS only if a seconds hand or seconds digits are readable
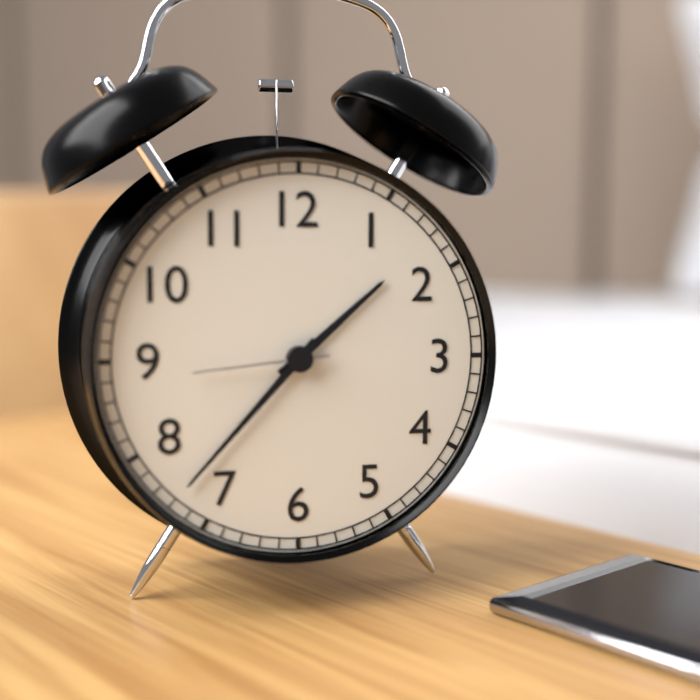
1:37:44
